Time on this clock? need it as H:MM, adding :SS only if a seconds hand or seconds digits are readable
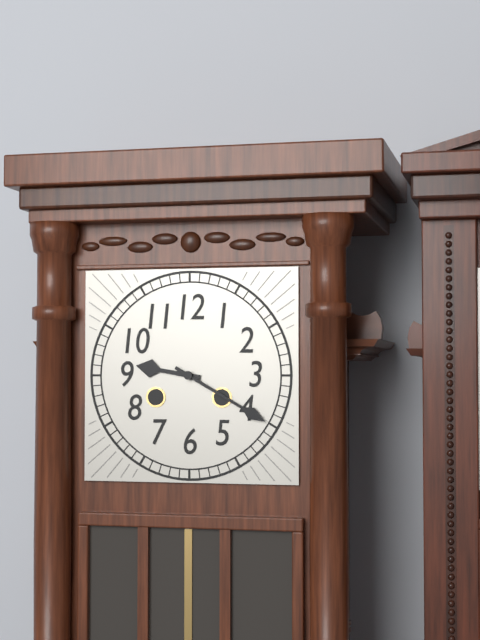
9:20
